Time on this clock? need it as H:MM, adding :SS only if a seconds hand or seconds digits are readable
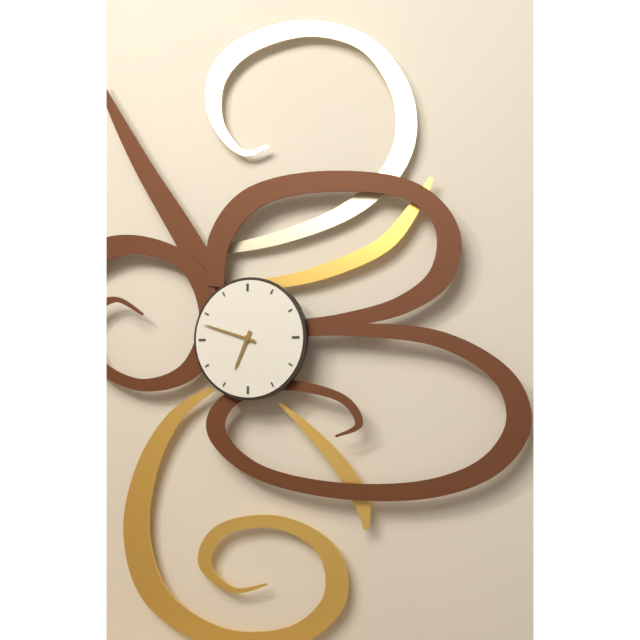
6:48
